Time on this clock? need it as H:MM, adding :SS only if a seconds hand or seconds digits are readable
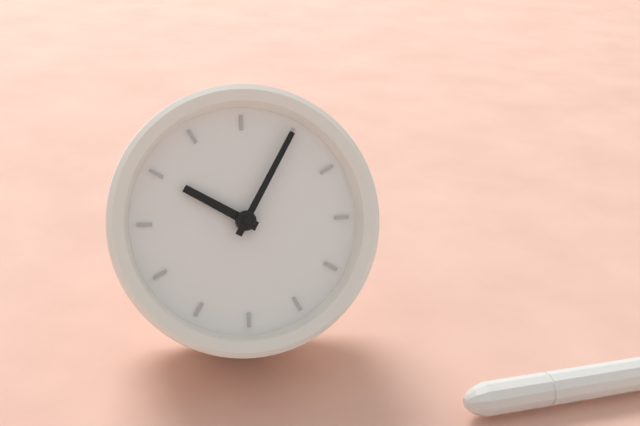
9:00
